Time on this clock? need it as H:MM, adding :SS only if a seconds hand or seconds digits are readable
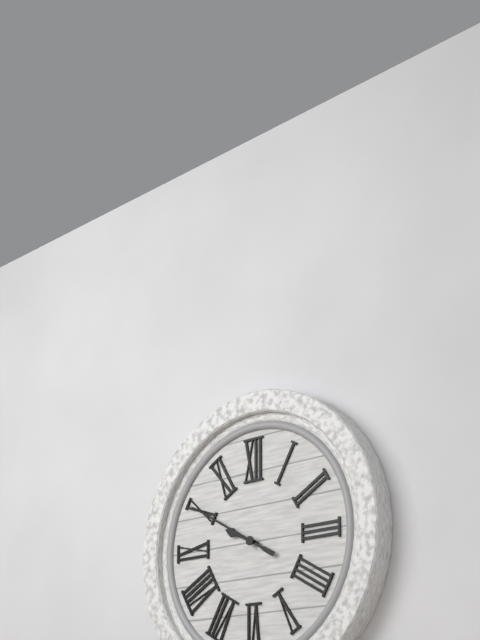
9:50
